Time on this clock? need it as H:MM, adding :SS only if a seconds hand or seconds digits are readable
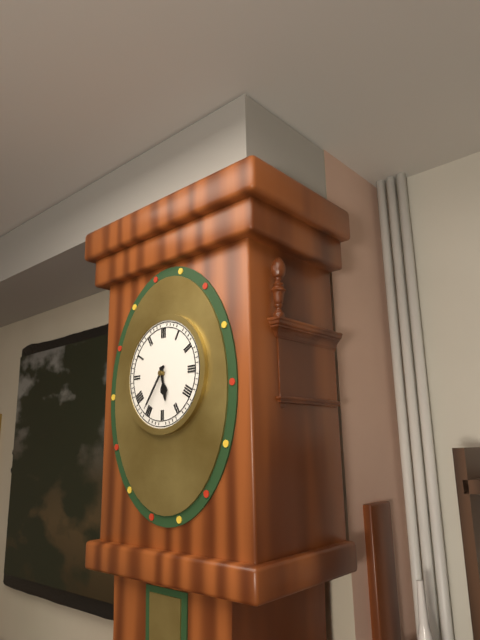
5:36
